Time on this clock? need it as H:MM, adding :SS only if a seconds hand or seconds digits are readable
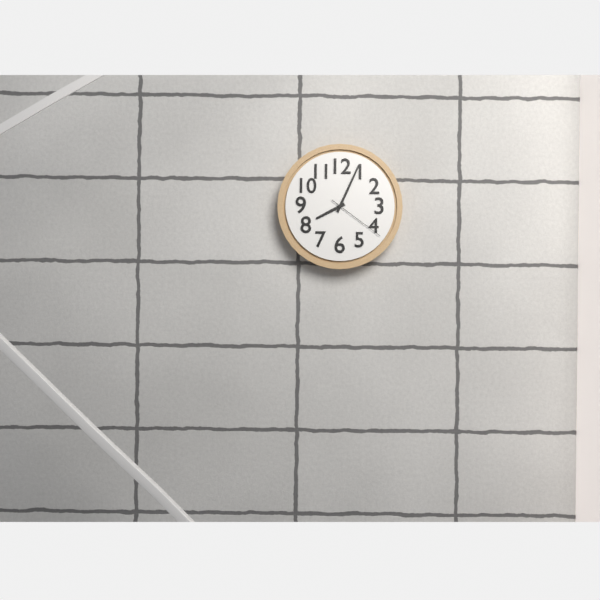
8:04:21
